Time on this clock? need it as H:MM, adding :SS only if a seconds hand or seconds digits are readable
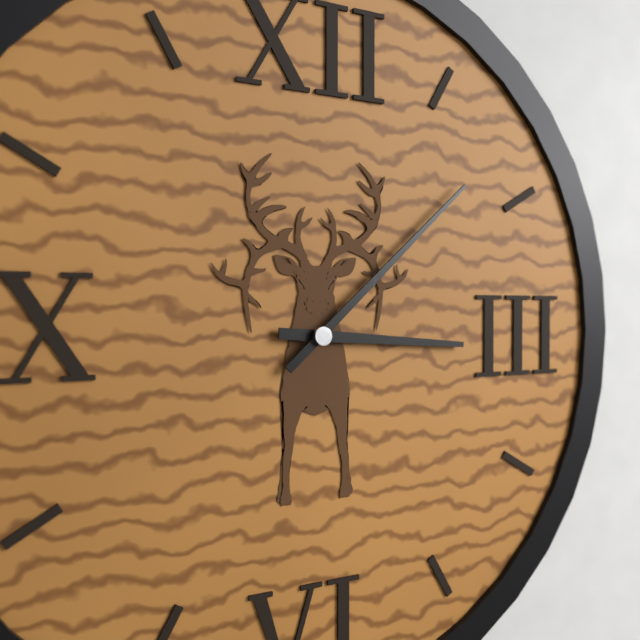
3:08
